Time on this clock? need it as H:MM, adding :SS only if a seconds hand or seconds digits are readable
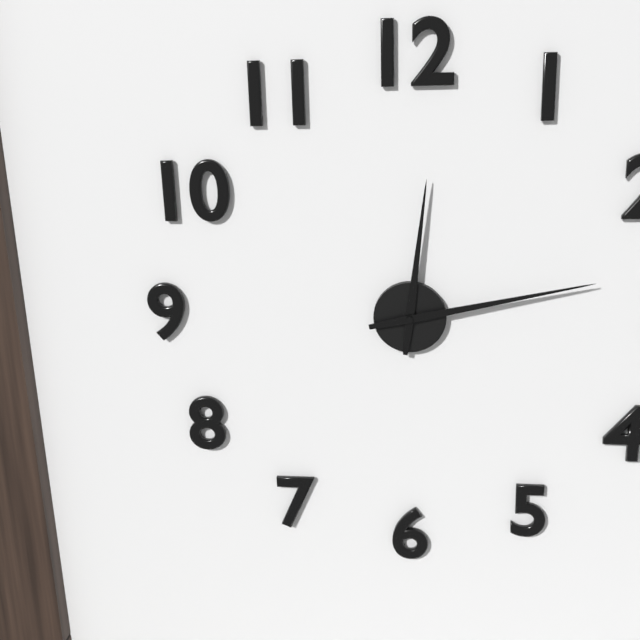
12:13
